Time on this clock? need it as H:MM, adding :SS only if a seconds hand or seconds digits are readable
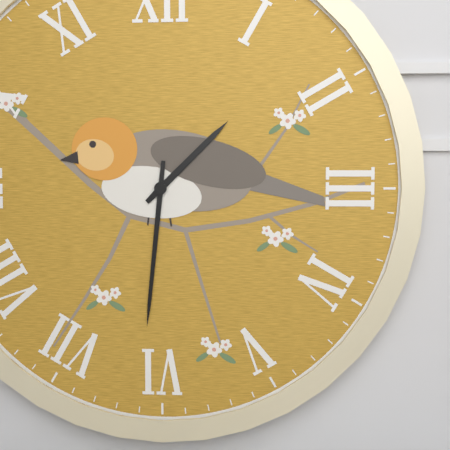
1:31
